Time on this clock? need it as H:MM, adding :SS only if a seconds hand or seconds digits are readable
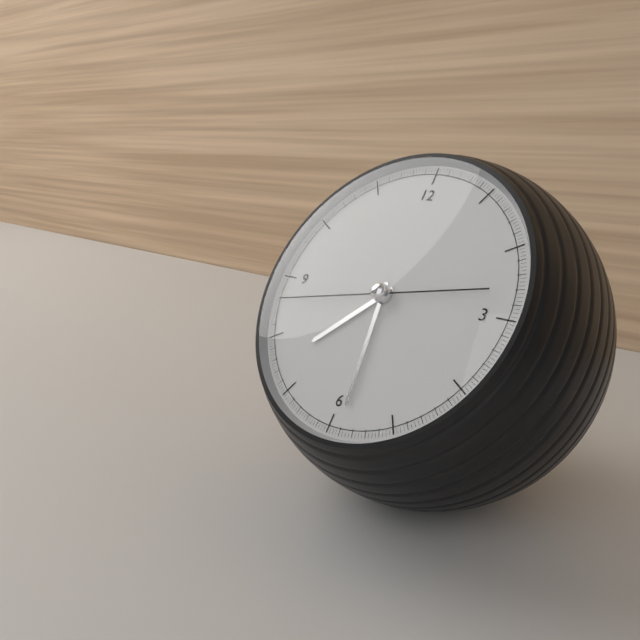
7:29:43
